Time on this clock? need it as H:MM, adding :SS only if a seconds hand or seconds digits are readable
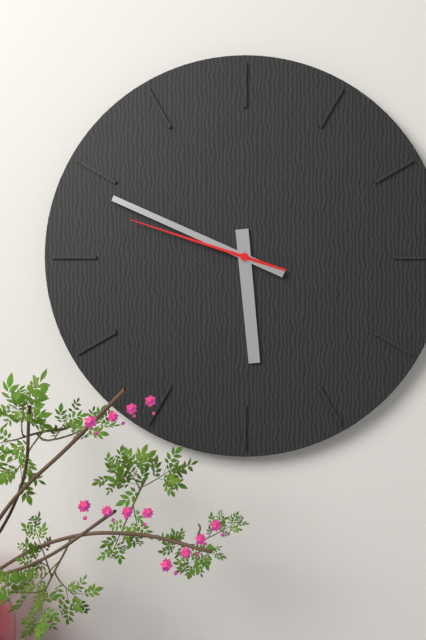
5:49:48
